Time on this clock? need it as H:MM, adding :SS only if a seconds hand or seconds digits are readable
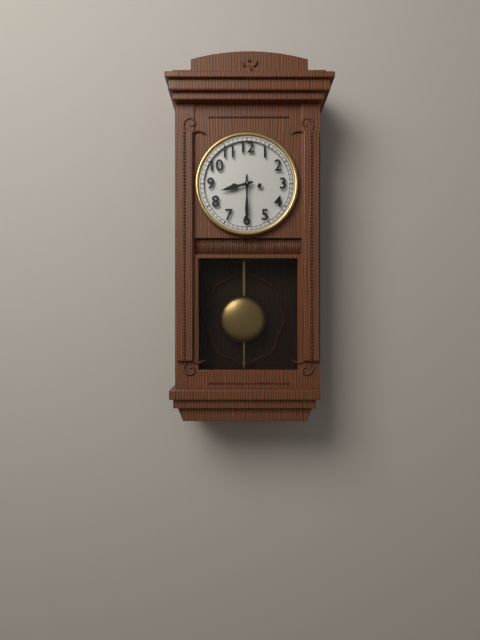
8:30
